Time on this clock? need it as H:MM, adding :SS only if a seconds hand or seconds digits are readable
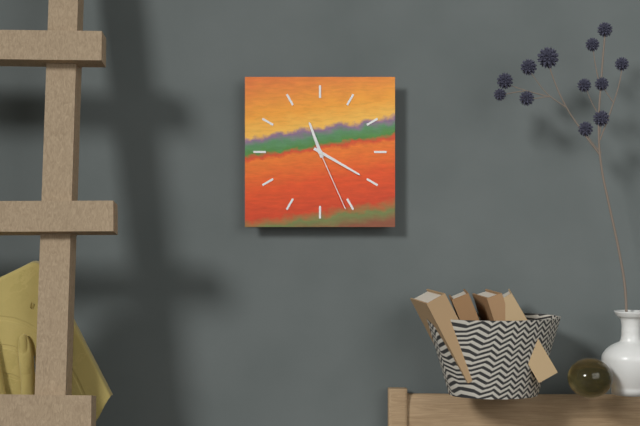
11:20:26
